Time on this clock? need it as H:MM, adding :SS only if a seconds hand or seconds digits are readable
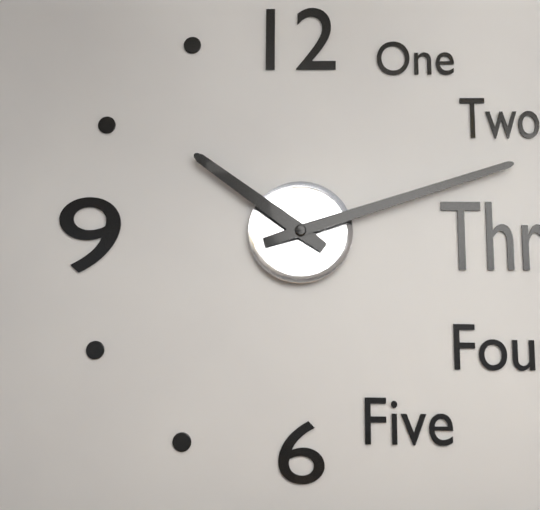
10:12
